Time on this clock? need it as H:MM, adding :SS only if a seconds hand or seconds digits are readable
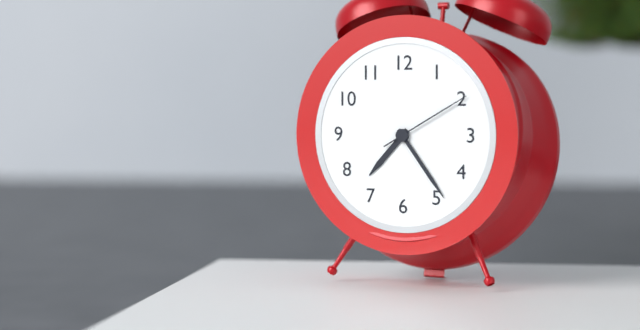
7:24:10
